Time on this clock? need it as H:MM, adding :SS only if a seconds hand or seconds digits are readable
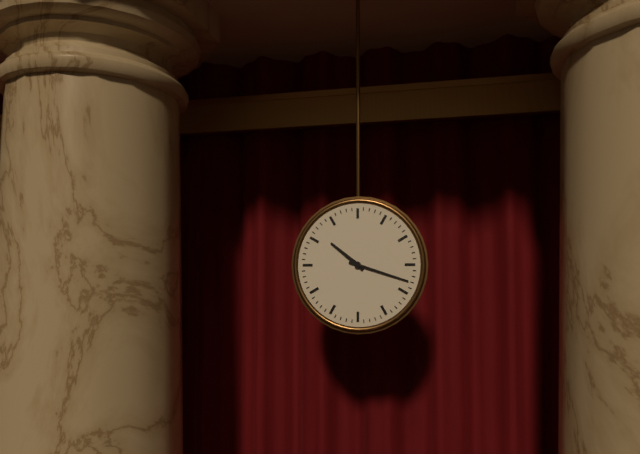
10:18
